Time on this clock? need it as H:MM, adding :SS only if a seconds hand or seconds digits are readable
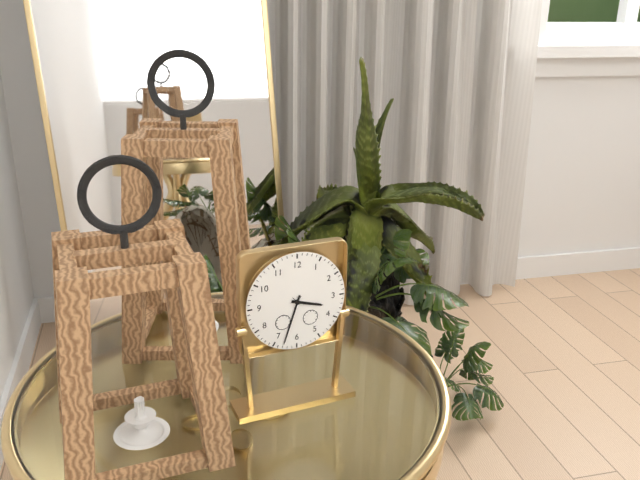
3:33
